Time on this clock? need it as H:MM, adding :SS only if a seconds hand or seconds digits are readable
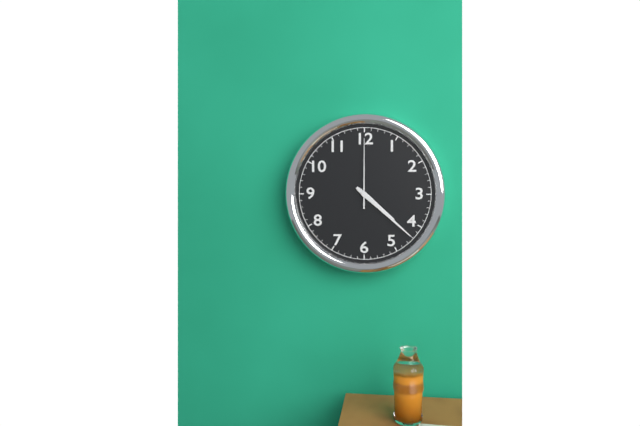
4:22:00
